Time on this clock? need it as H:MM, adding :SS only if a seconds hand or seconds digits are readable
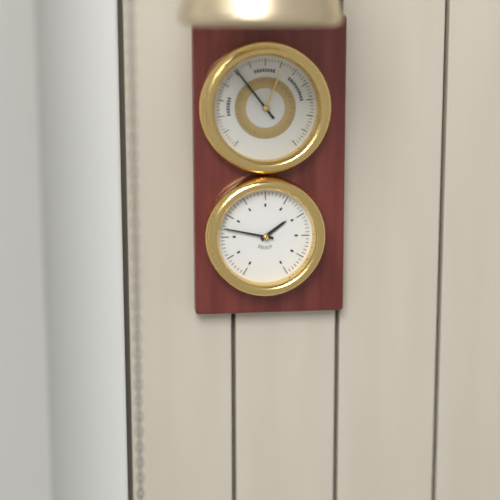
1:47
